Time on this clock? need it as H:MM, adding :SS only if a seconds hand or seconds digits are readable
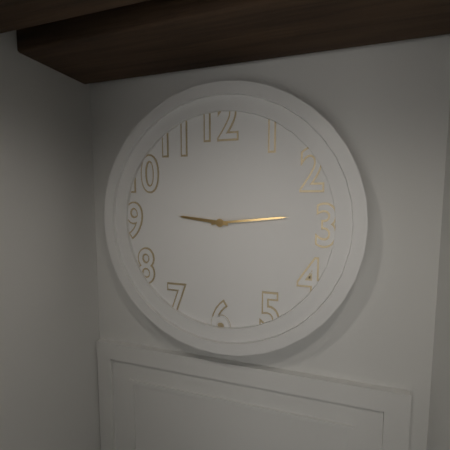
9:14
